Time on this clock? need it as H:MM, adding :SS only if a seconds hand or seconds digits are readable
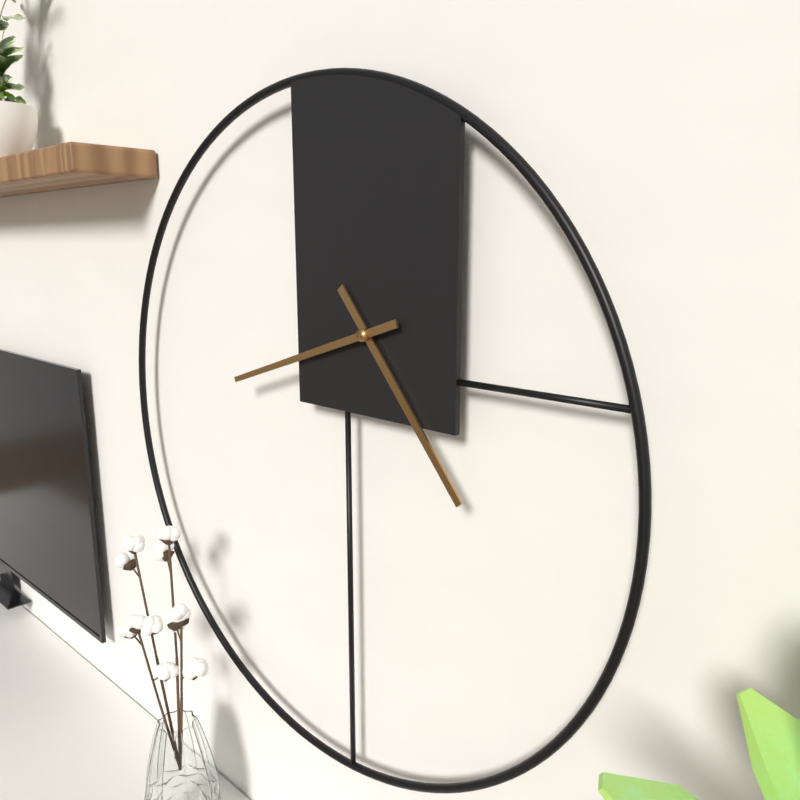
4:42
